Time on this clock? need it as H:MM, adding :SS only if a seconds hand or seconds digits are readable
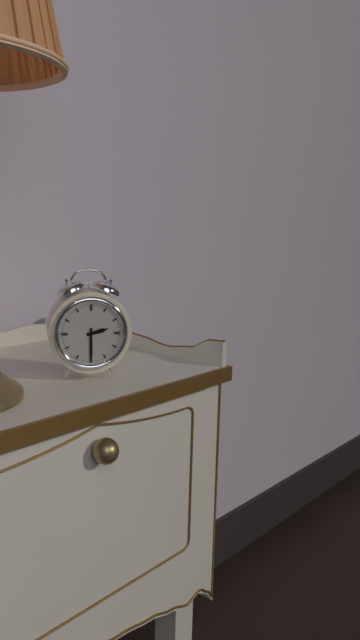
2:30
